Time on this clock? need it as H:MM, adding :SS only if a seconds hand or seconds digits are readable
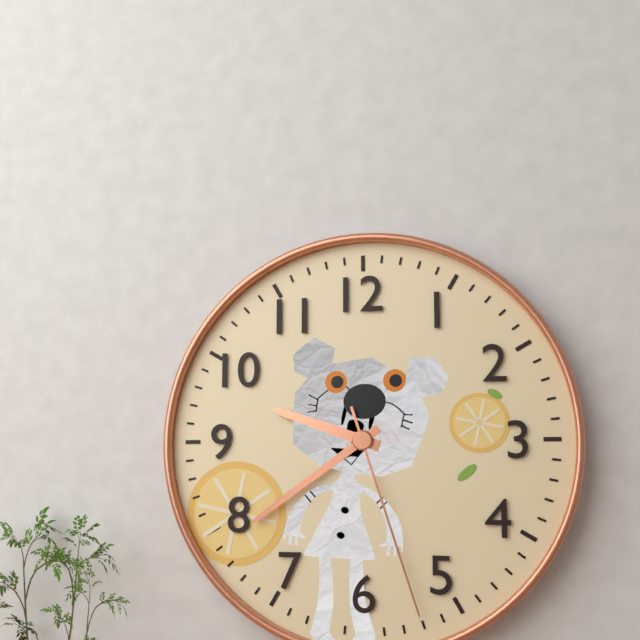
9:39:27
